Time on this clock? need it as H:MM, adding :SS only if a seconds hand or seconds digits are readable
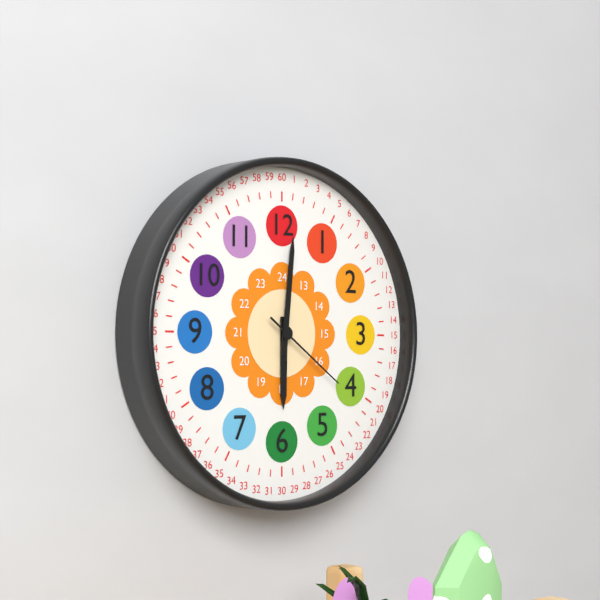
6:01:21
